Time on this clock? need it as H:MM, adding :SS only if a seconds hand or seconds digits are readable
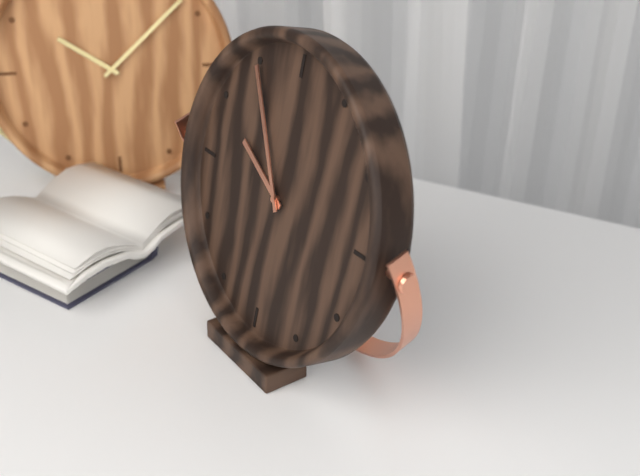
9:55
